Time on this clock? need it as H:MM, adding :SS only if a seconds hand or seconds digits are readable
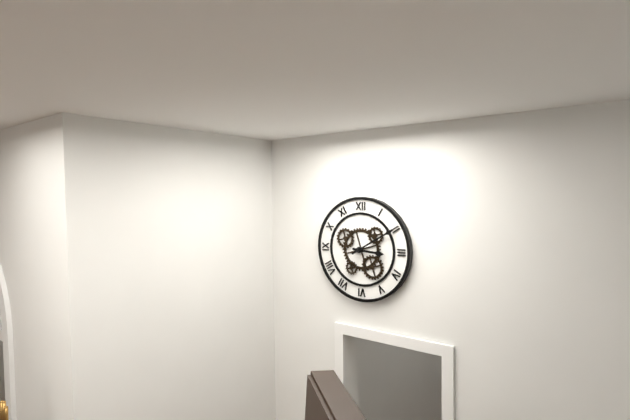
3:10
